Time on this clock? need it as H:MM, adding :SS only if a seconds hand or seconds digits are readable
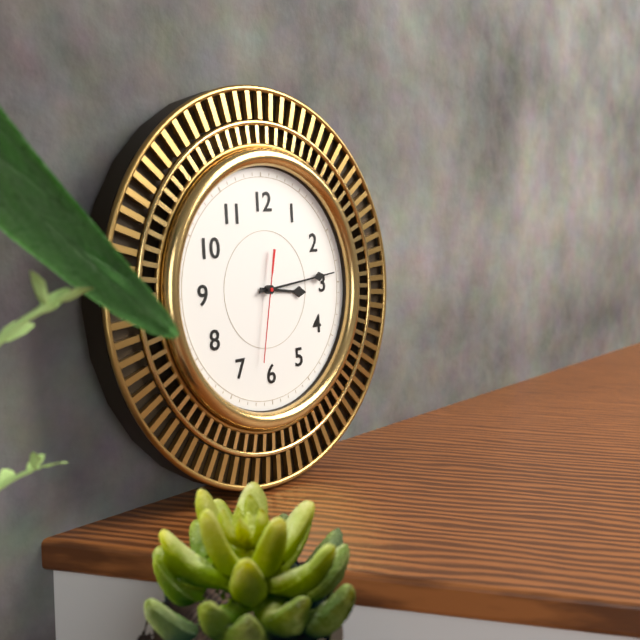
3:14:32
